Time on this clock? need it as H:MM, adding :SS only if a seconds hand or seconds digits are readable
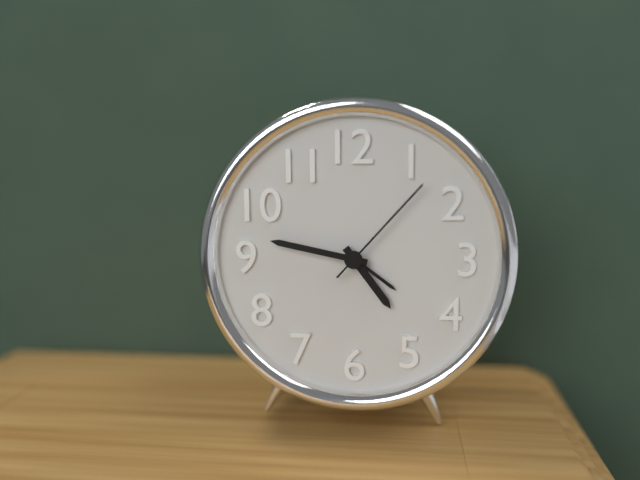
4:47:07
